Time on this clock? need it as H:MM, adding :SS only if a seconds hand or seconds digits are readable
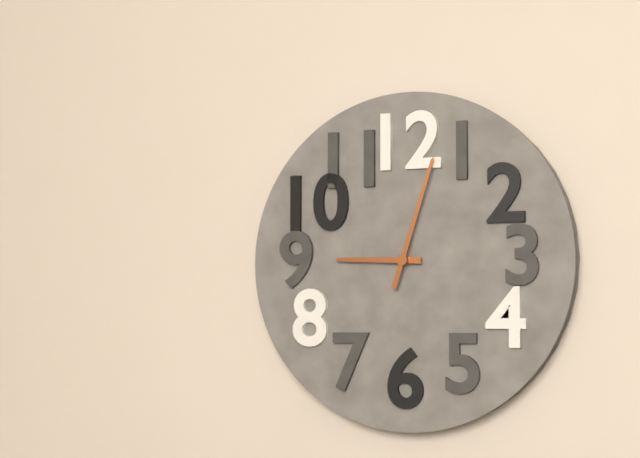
9:03
